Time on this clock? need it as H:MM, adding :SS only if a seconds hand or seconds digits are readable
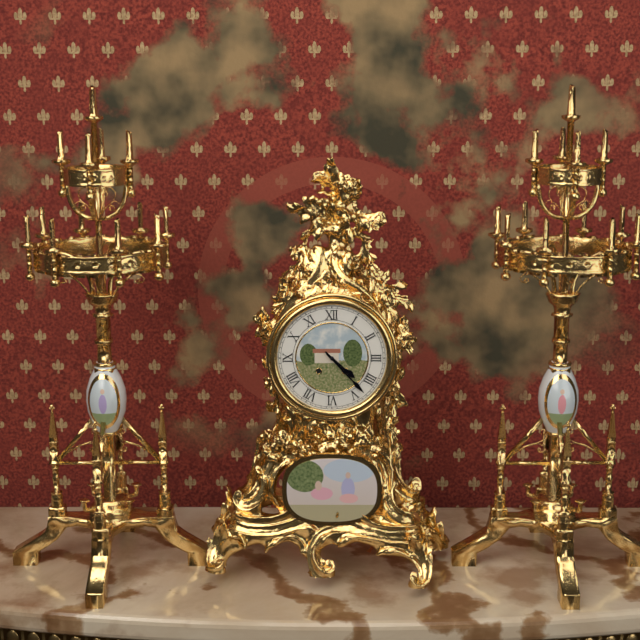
4:23
